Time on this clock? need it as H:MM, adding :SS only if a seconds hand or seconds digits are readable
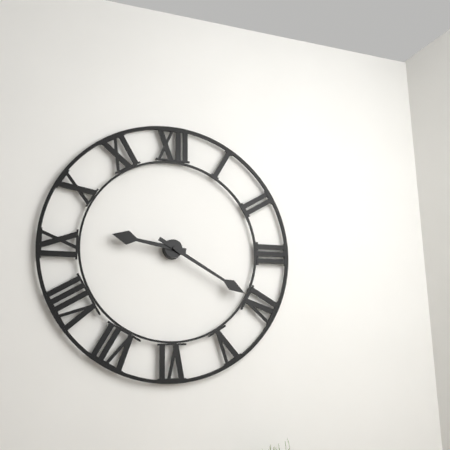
9:20
